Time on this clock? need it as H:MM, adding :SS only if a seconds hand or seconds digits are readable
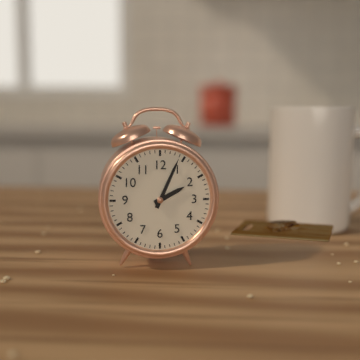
2:04
